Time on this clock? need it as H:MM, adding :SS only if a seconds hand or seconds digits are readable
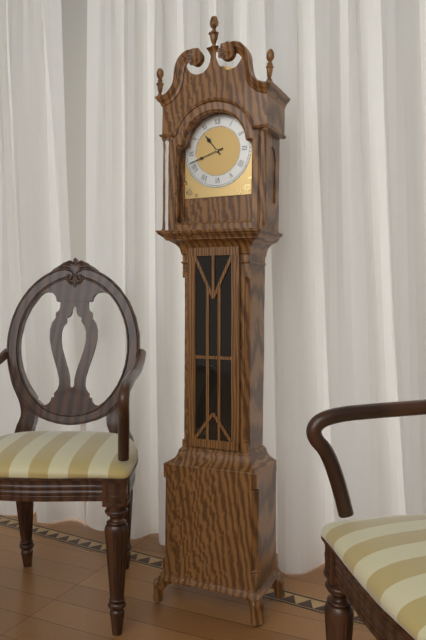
10:42
